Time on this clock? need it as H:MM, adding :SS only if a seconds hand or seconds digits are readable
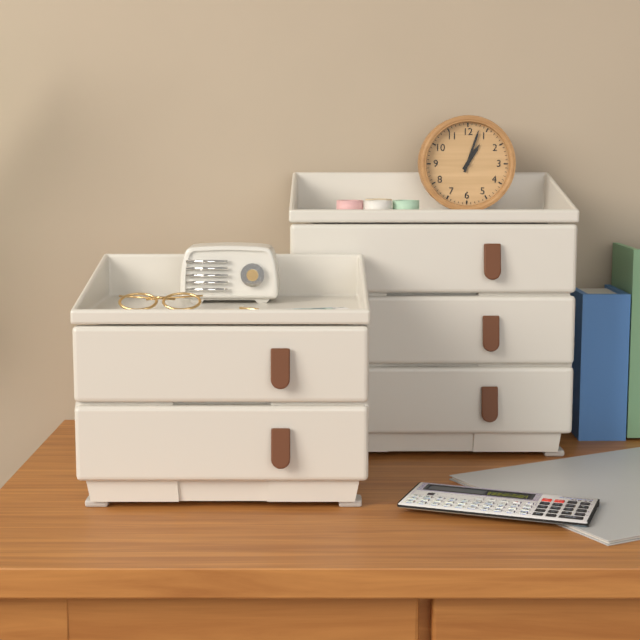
1:03
